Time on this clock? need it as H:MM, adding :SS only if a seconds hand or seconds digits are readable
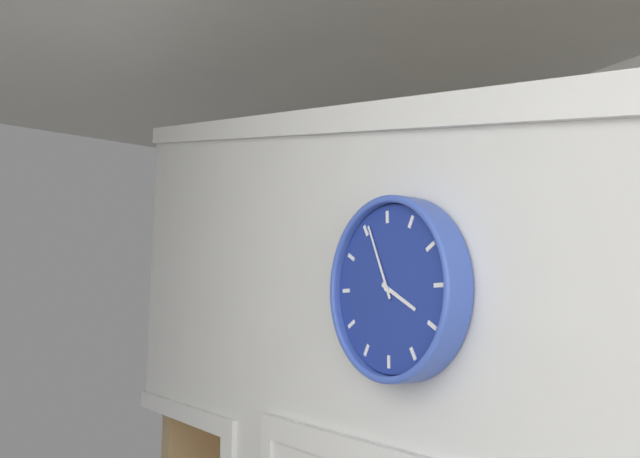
3:56
